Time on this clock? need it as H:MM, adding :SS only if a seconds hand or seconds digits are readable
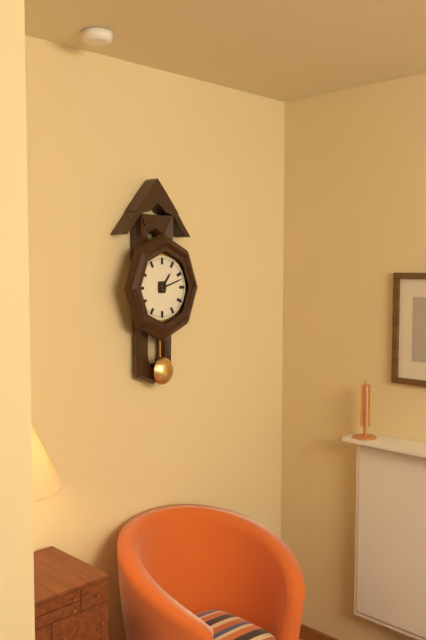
1:12
